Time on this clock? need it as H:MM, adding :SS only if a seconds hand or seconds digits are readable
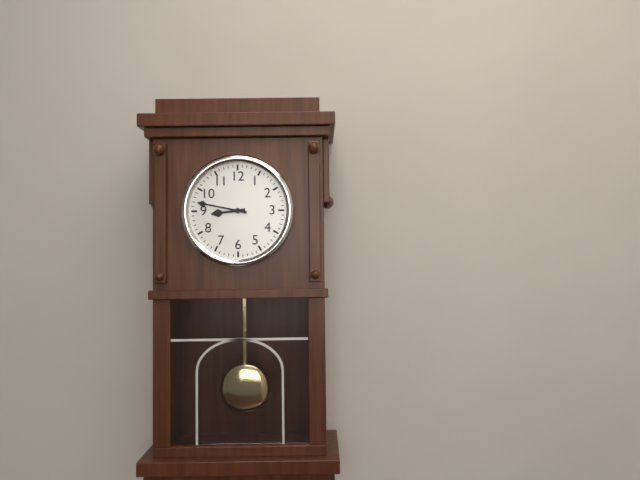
8:47
